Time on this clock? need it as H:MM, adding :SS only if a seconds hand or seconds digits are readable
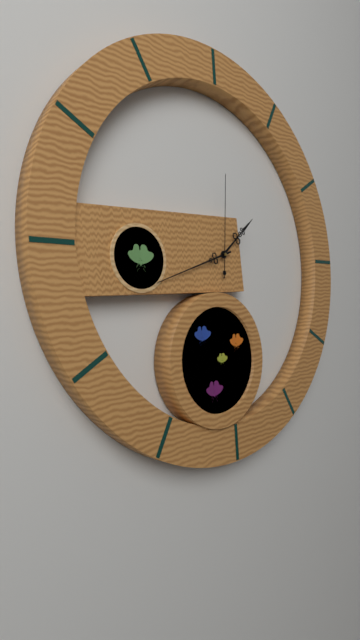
1:42:01
